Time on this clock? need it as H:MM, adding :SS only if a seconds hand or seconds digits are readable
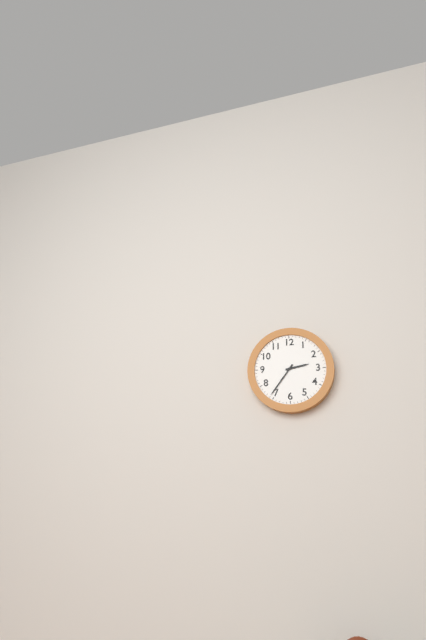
2:36
